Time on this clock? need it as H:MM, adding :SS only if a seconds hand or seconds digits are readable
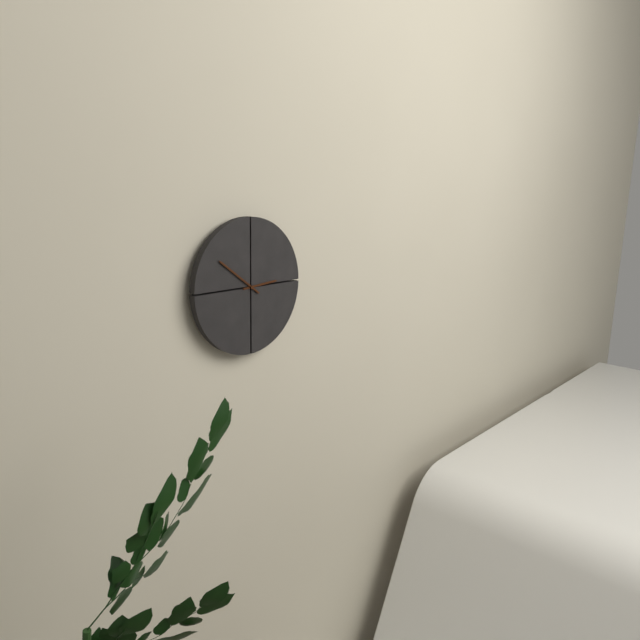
2:51
